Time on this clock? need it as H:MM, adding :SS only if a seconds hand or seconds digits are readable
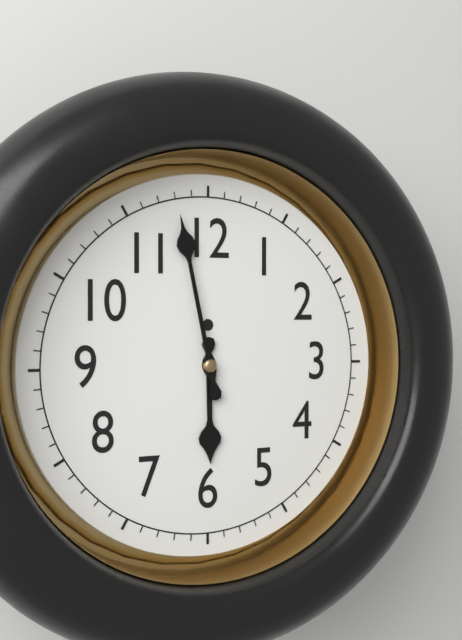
5:58
